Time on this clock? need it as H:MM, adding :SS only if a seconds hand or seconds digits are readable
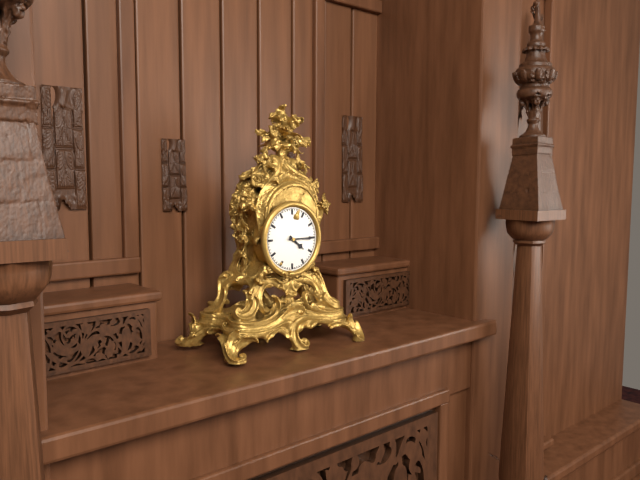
4:15
